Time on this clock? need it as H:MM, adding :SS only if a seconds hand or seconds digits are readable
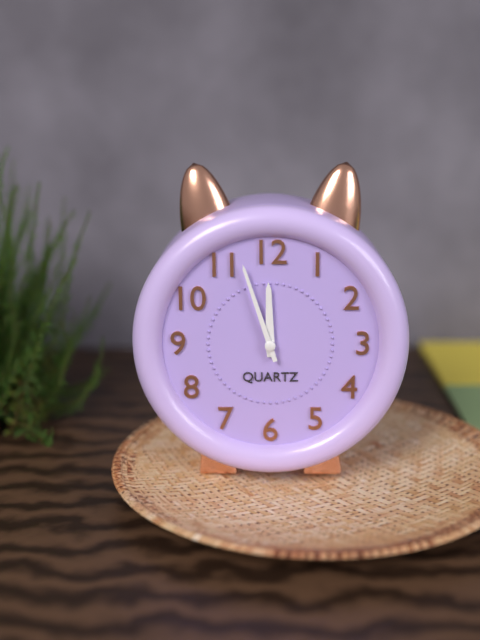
11:57
